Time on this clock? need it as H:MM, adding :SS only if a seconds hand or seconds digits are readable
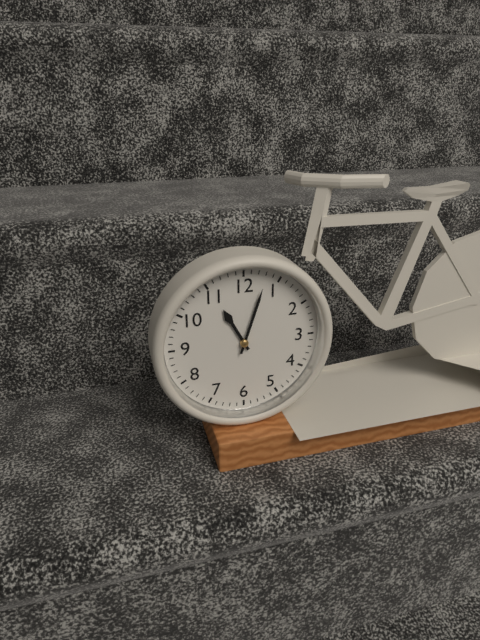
11:03
